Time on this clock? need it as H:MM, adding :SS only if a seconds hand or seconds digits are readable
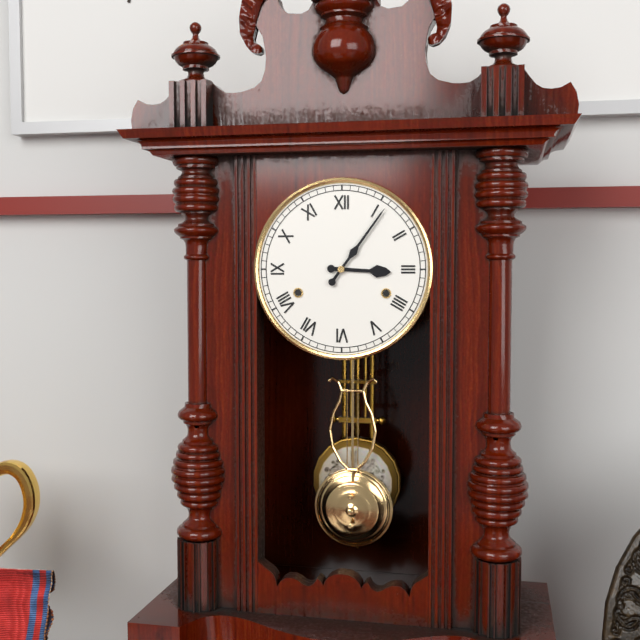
3:06
